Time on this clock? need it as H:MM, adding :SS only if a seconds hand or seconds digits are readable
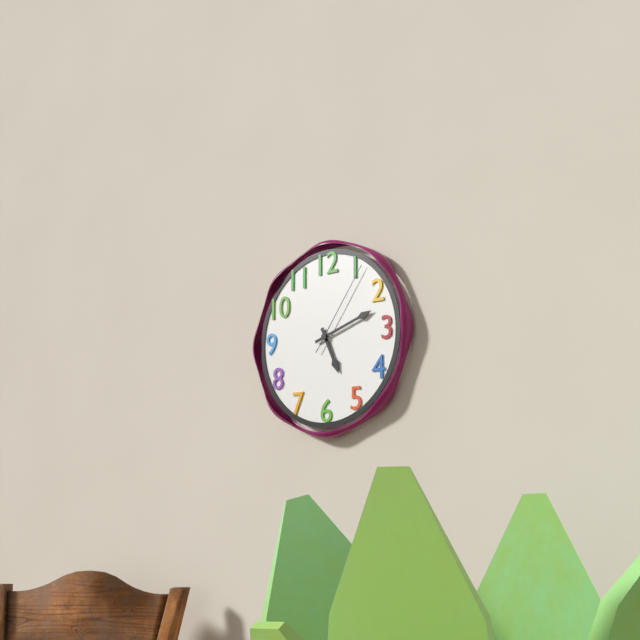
5:12:06
